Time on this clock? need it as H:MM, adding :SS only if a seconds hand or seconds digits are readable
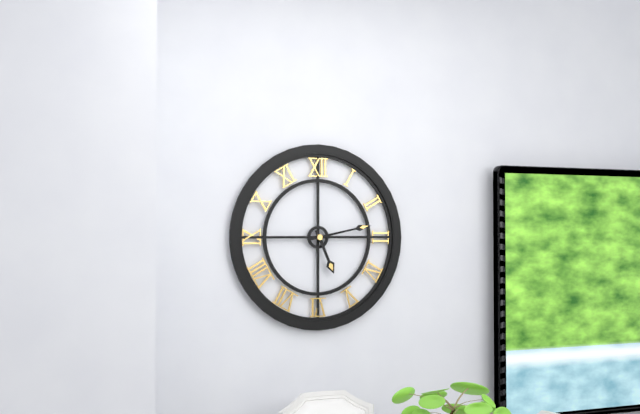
5:13
